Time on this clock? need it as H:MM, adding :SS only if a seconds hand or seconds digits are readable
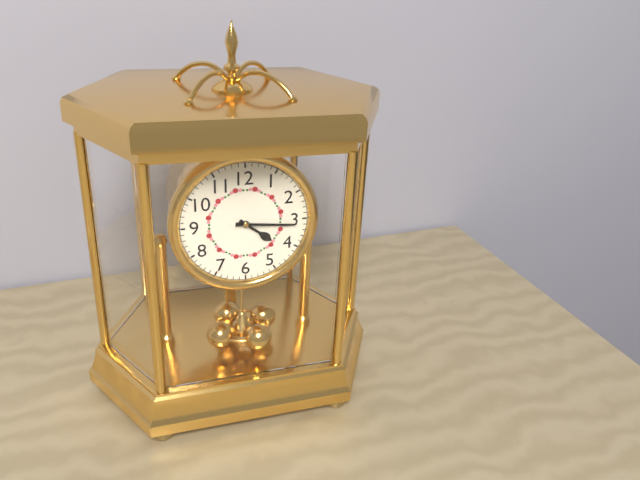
4:16
